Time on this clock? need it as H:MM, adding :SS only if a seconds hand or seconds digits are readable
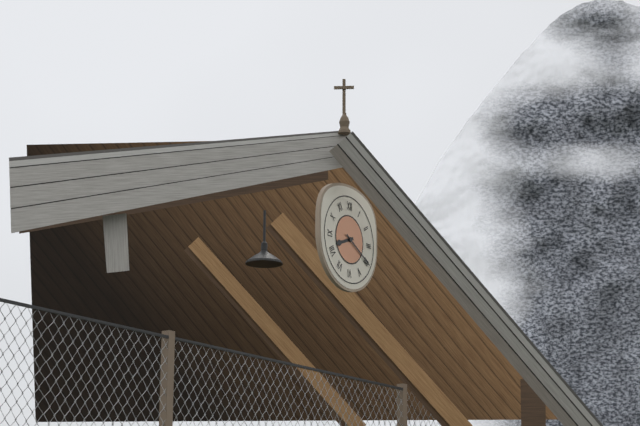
8:20
